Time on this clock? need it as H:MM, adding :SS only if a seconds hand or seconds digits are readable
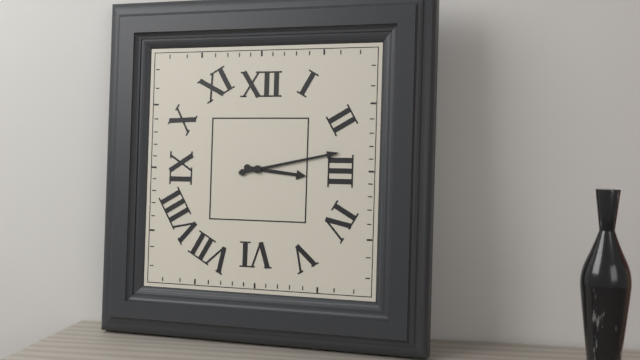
3:13
